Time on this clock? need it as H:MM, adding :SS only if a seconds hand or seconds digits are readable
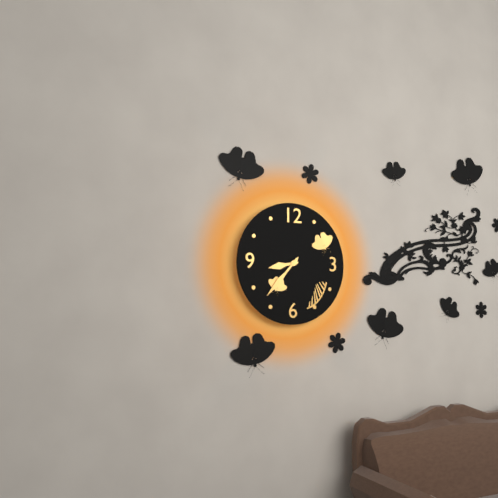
8:37
